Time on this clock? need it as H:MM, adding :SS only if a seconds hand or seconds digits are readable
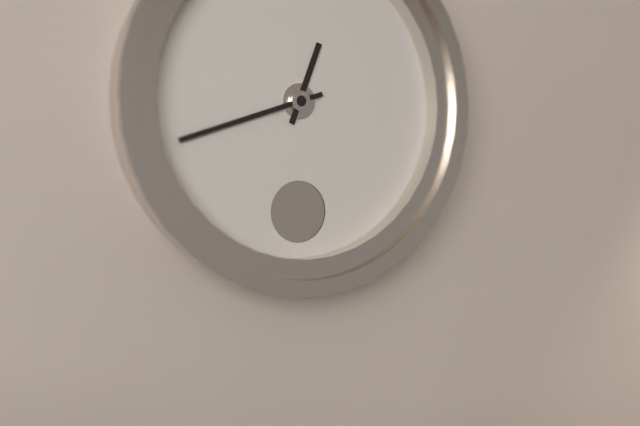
12:42
